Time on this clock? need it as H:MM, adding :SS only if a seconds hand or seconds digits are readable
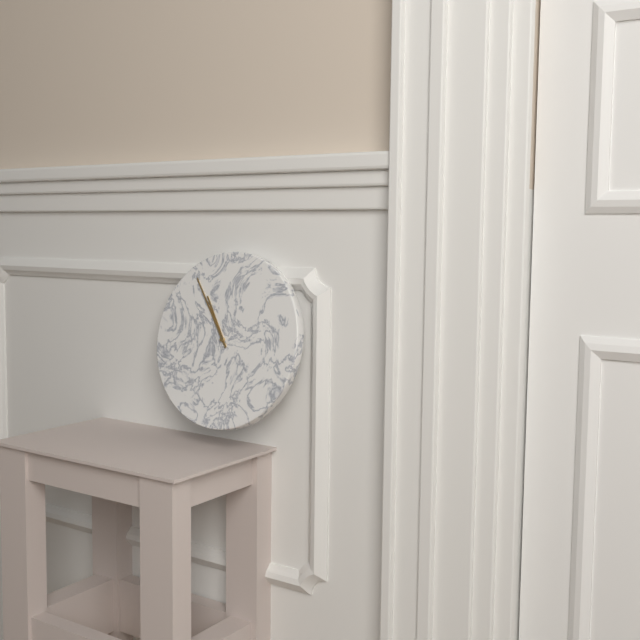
10:54
